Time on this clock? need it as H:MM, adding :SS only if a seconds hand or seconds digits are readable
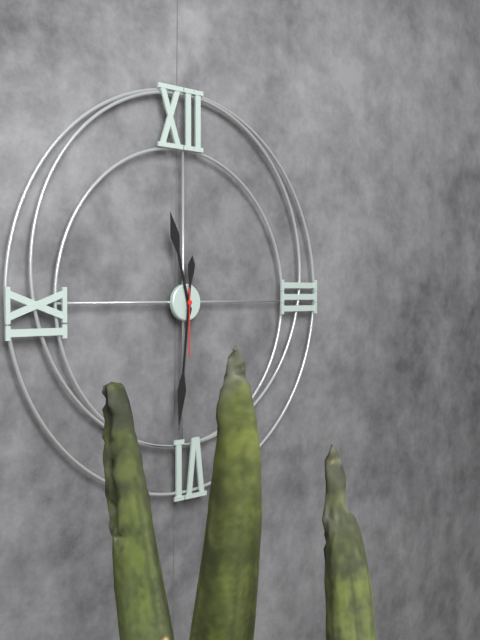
11:31:30
